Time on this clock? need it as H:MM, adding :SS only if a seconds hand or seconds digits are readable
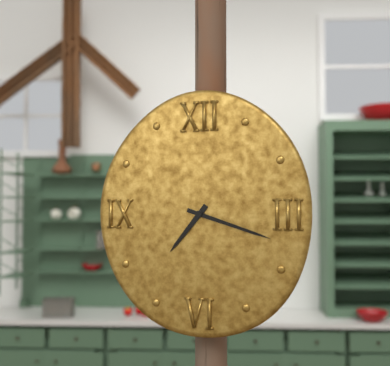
7:18
